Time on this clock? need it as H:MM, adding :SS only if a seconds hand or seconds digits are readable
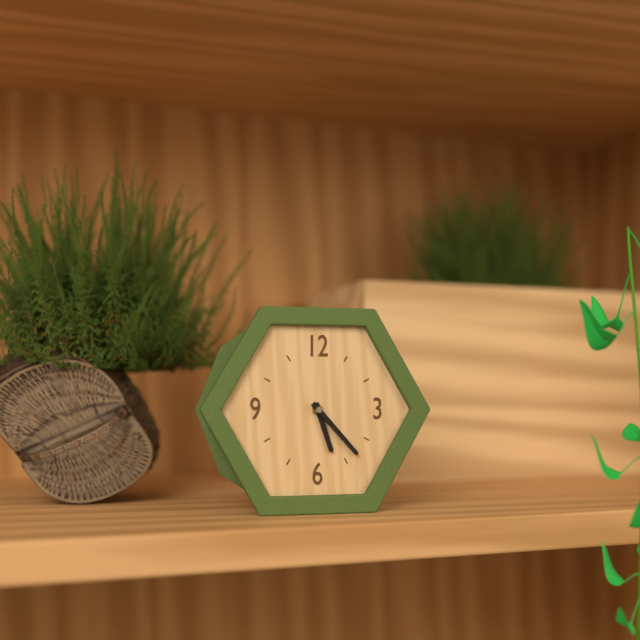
5:23
